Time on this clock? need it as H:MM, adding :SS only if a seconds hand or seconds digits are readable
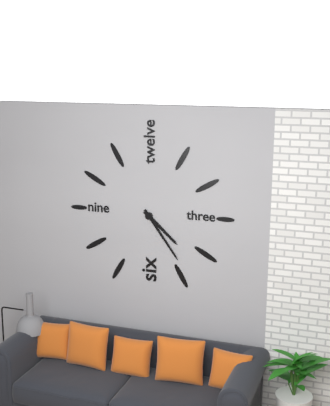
4:24
